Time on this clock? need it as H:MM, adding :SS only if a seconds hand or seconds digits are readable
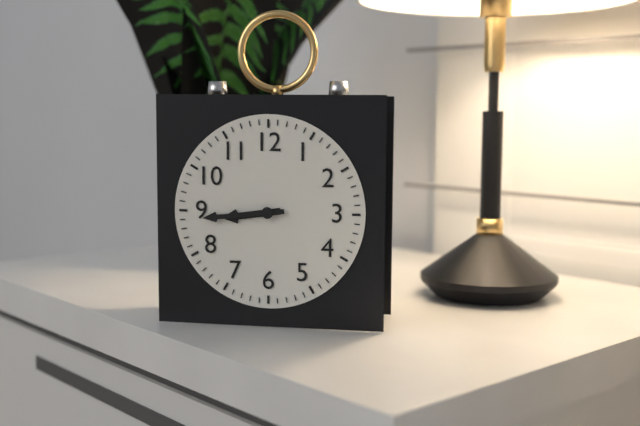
8:44
